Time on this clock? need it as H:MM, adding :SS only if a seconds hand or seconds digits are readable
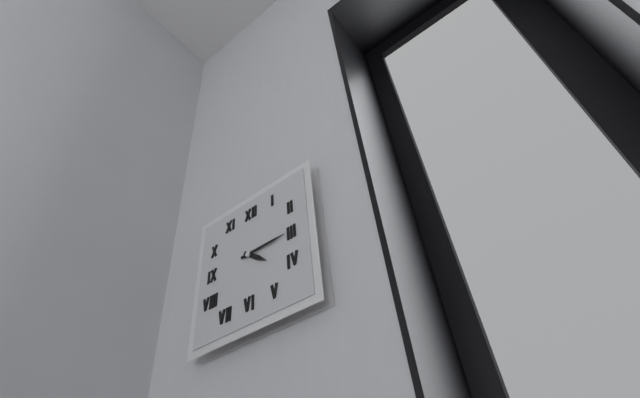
4:15
